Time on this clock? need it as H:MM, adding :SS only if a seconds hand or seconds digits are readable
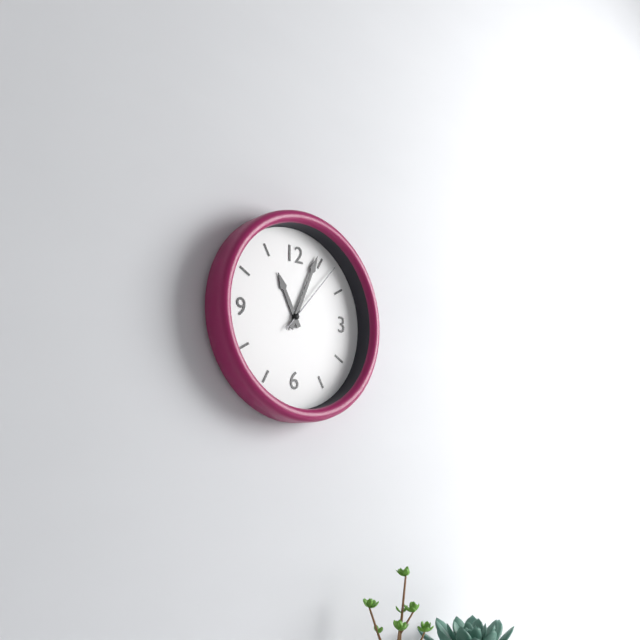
11:04:07
